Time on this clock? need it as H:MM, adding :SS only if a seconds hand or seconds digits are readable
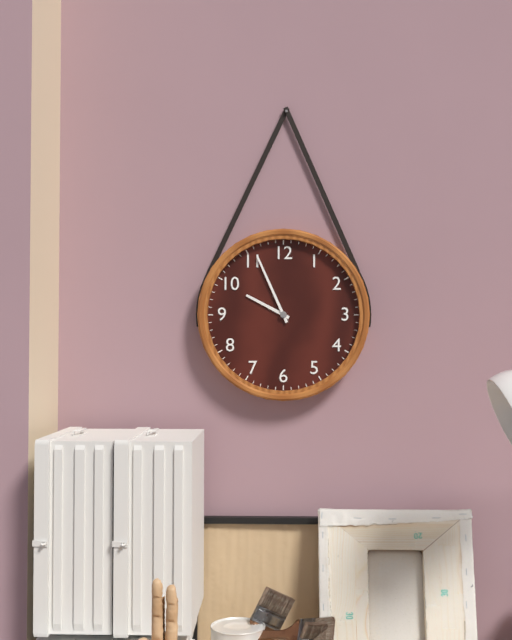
9:56
